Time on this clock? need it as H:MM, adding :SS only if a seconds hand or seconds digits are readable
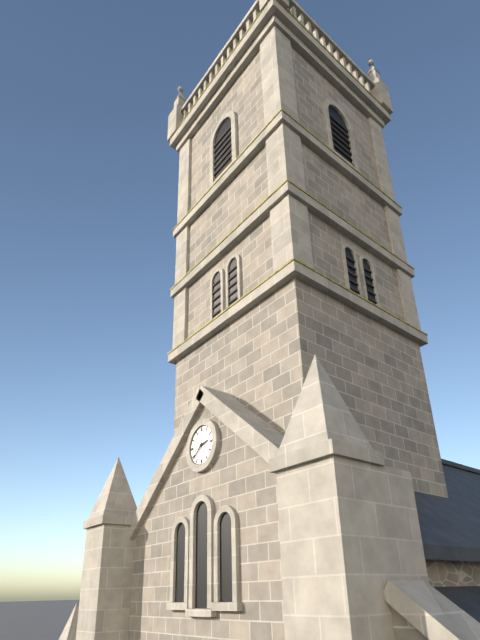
2:38
